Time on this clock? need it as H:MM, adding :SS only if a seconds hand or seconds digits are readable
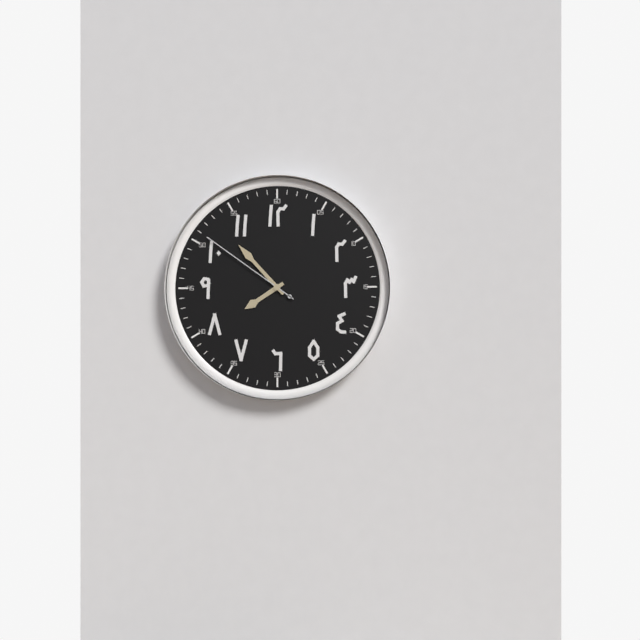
7:53:51
